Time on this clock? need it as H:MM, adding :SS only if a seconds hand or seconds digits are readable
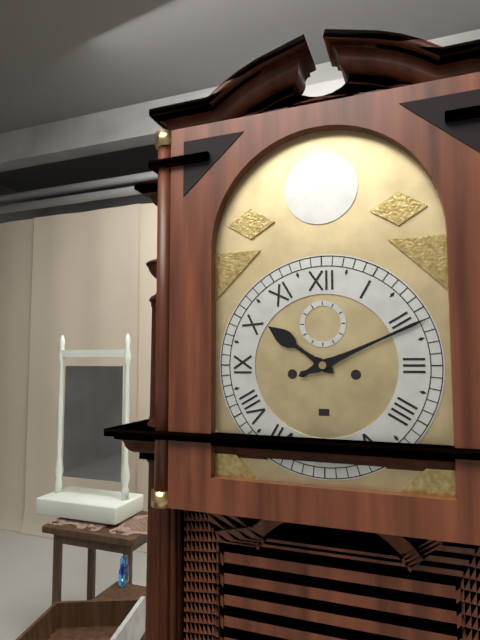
10:11
